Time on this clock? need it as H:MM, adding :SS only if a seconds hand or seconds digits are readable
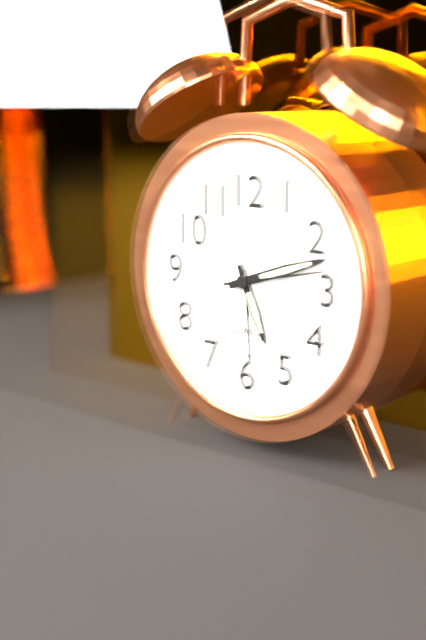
5:12:13
